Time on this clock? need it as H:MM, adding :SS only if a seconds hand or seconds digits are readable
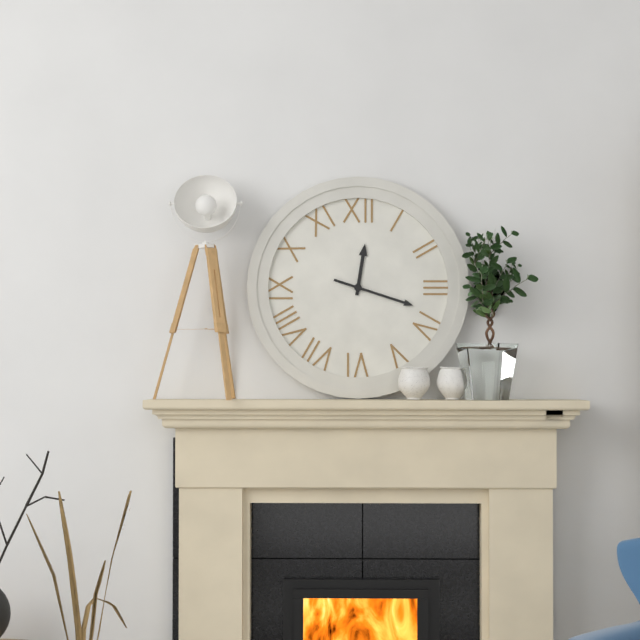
12:18
